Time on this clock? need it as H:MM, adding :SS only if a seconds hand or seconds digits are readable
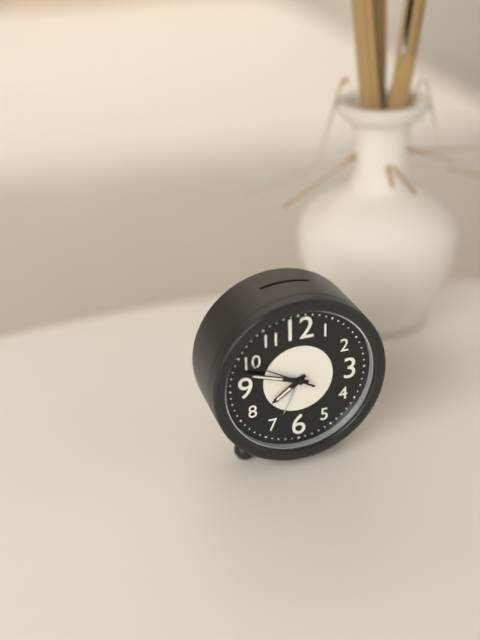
7:48:50
